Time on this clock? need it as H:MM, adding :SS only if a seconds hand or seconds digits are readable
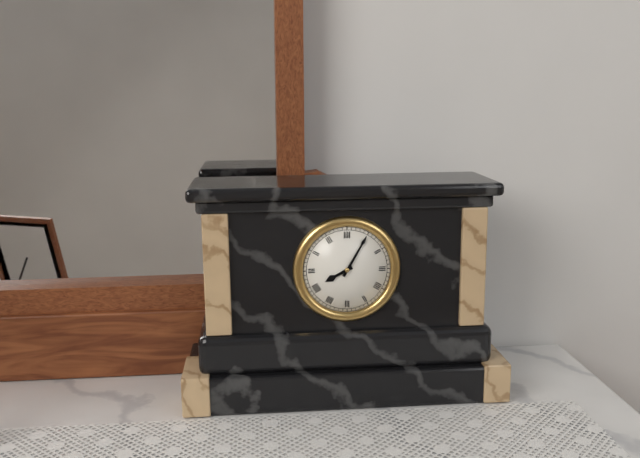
8:05
